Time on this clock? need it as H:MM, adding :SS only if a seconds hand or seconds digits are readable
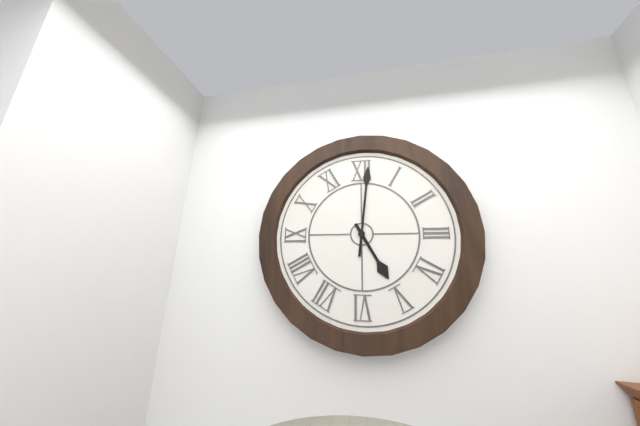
5:01
